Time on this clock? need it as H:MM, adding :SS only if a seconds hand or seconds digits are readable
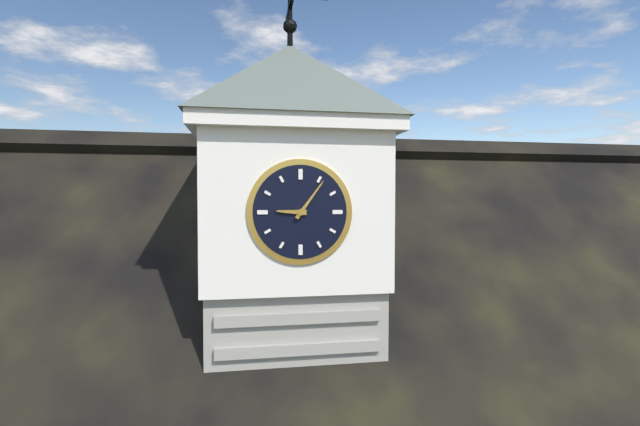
9:06
